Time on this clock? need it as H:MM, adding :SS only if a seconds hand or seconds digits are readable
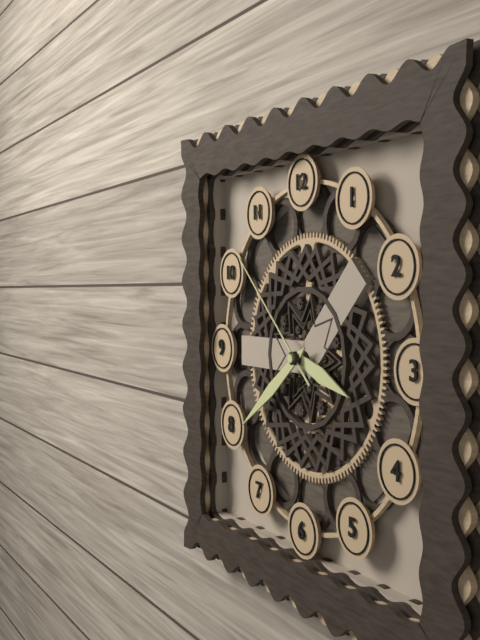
3:39:52
